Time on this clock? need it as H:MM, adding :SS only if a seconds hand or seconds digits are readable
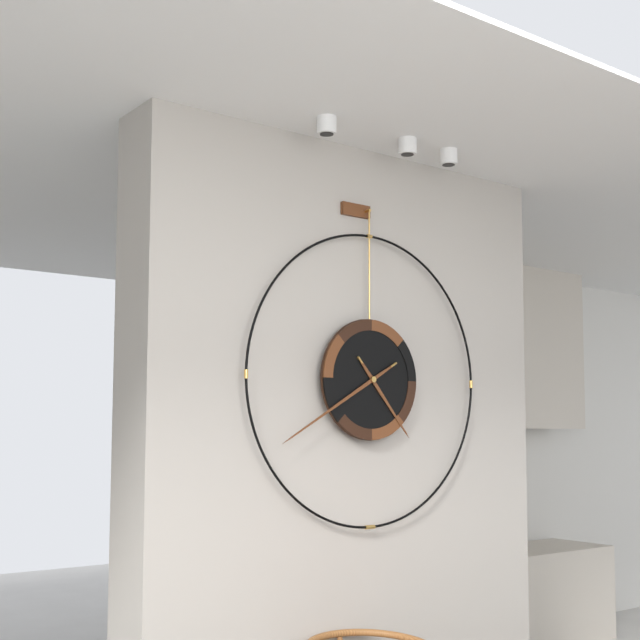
4:40
